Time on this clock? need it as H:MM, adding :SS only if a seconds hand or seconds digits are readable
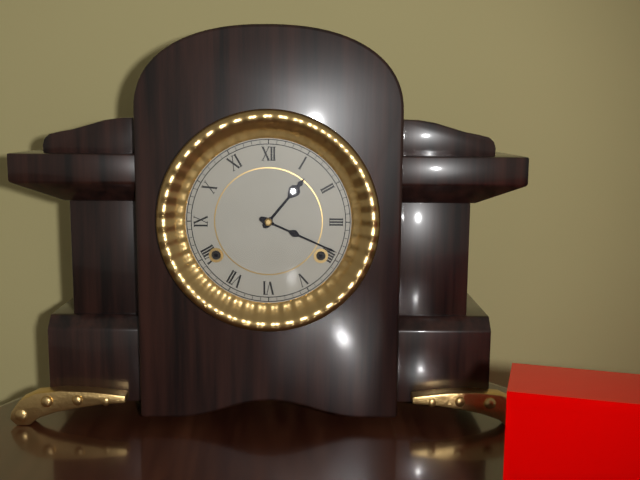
1:19
